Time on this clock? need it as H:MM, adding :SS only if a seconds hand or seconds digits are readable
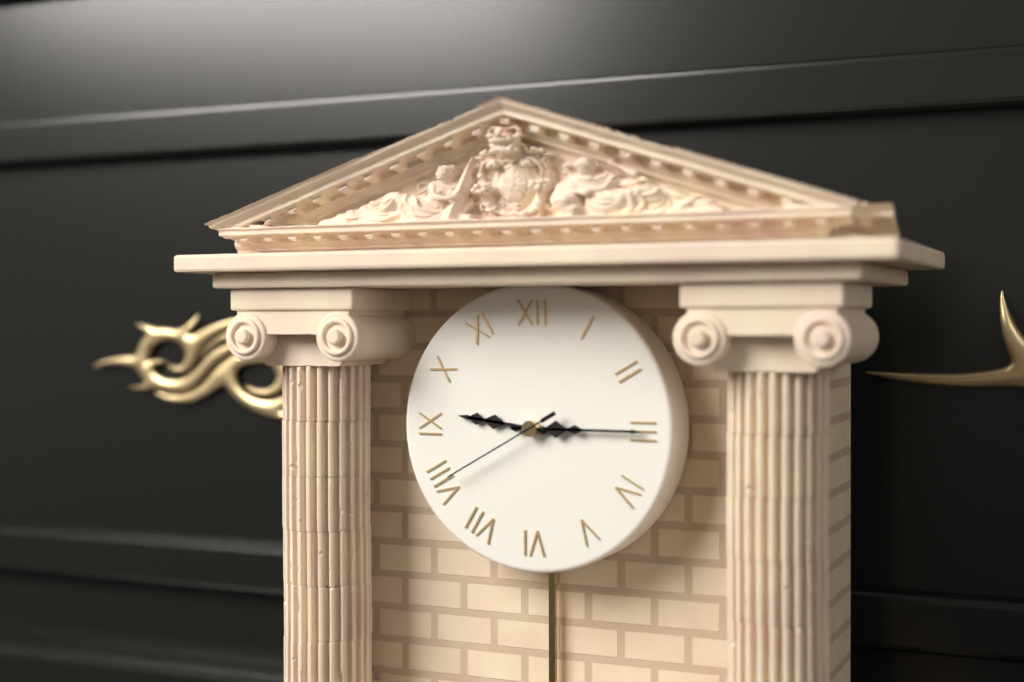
9:15:40
